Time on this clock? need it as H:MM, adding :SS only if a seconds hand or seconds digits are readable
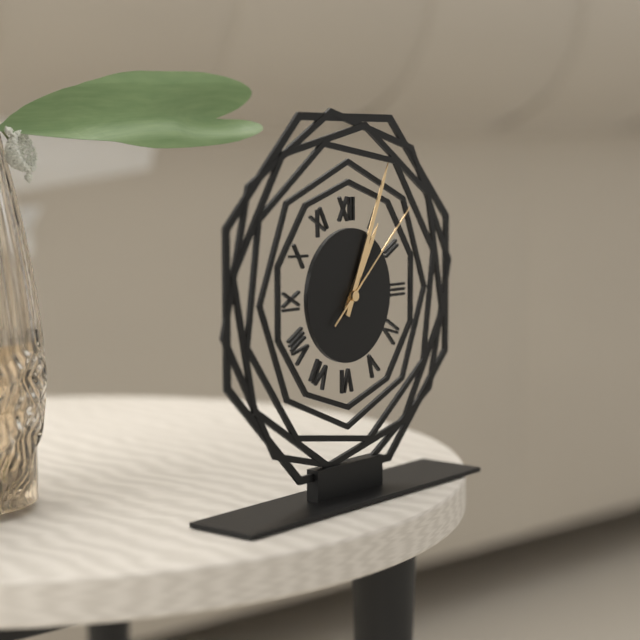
1:04:08
